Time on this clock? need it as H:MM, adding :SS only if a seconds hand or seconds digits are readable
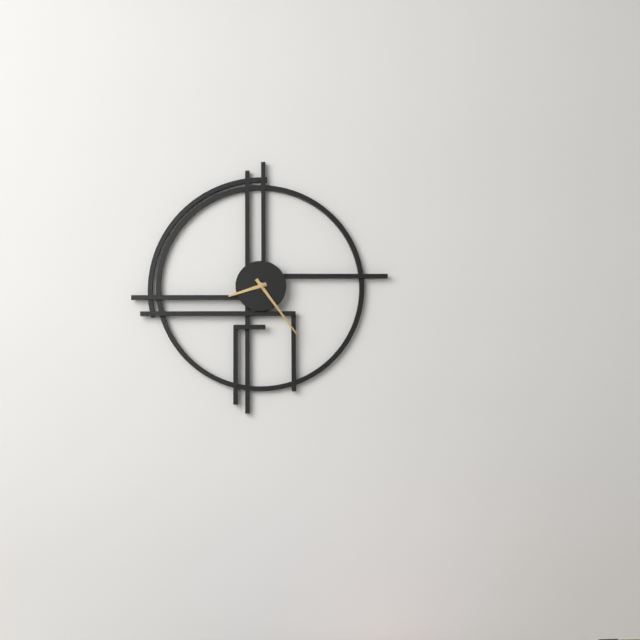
8:24
